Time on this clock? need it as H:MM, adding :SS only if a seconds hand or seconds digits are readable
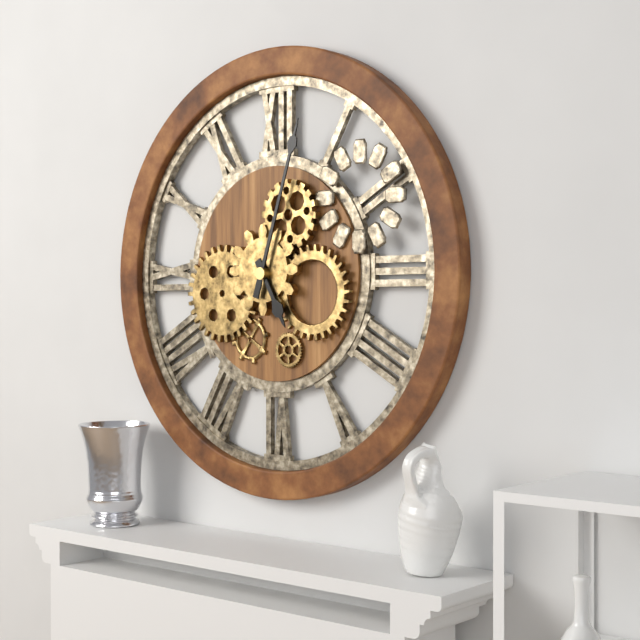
5:03
